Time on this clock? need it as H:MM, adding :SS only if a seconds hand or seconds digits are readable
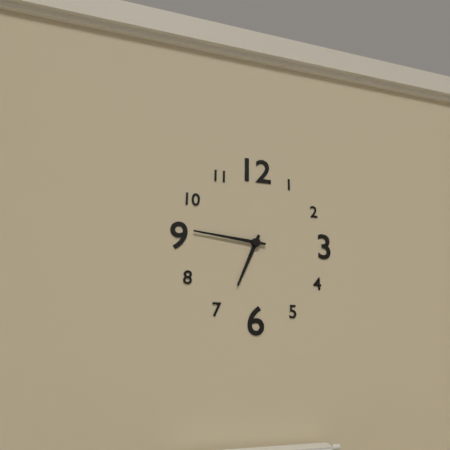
6:46
